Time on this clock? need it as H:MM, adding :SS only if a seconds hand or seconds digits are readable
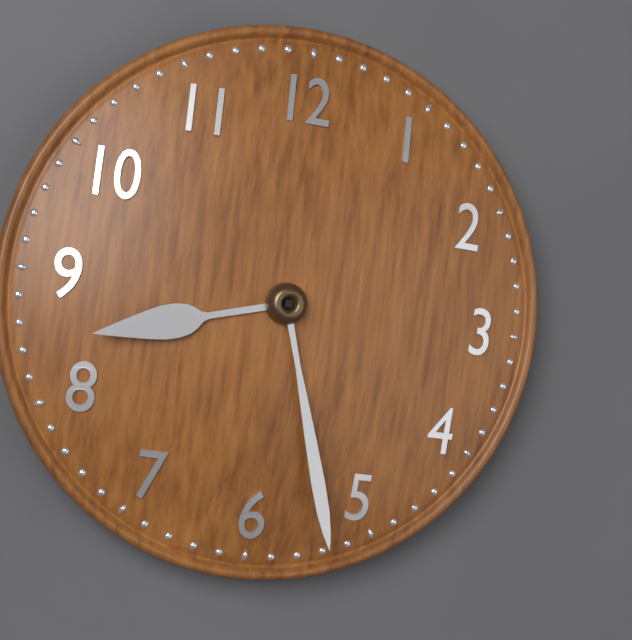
8:27
